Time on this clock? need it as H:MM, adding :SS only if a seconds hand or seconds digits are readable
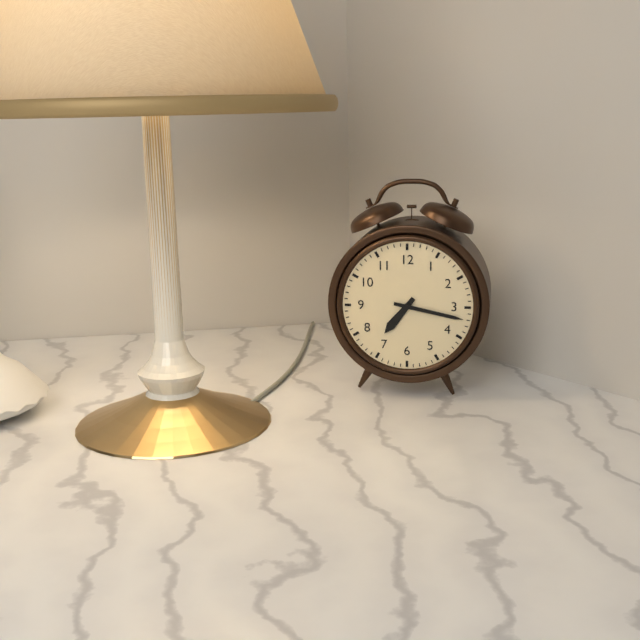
7:17
